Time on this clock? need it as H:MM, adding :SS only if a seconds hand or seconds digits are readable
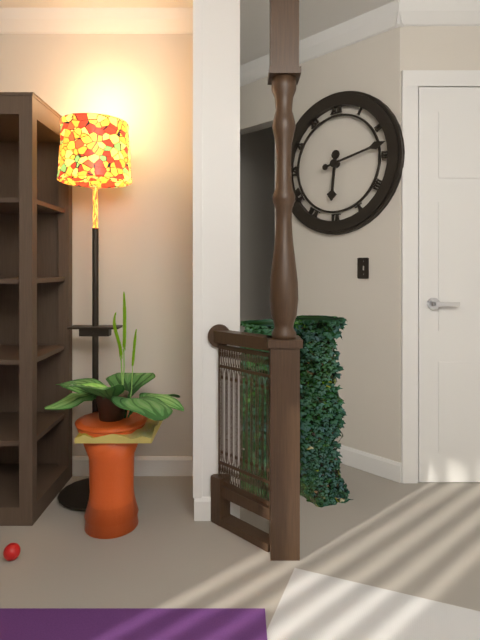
6:13
